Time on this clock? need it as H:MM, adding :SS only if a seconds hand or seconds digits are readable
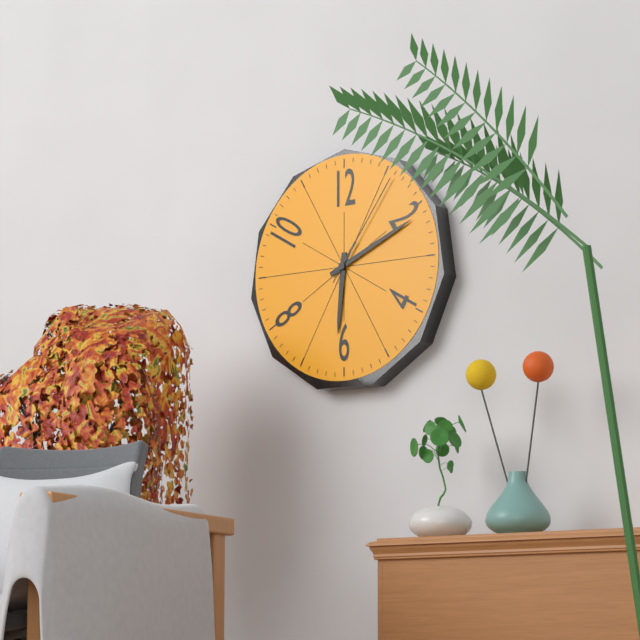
6:11:06
